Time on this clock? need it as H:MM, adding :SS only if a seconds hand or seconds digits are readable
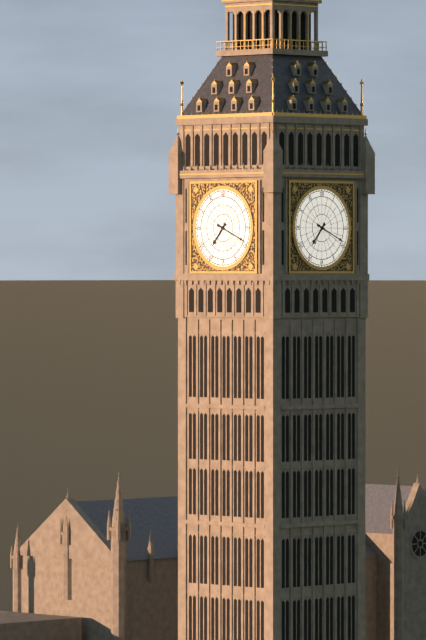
7:19
